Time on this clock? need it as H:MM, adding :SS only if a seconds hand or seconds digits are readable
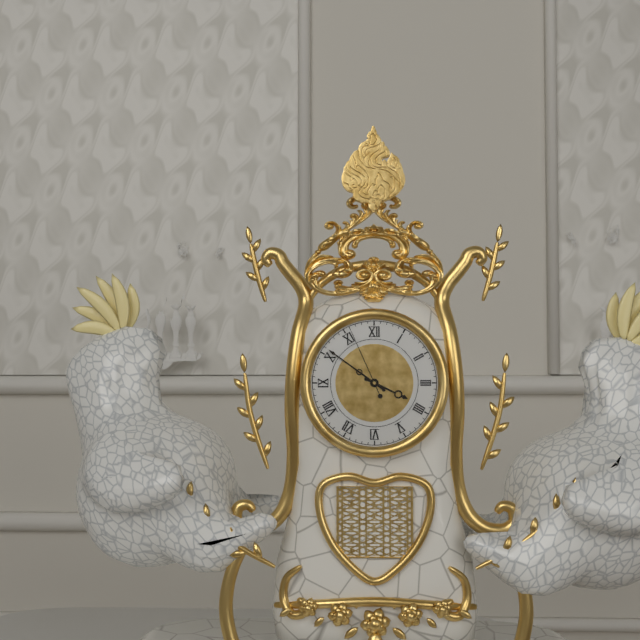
3:51:56
